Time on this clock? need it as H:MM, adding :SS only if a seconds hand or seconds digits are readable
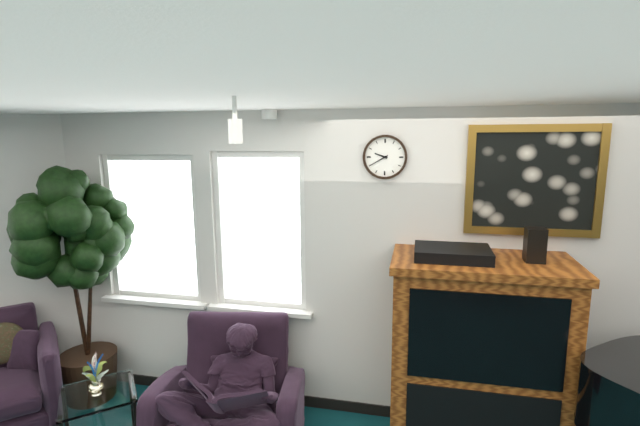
9:40
